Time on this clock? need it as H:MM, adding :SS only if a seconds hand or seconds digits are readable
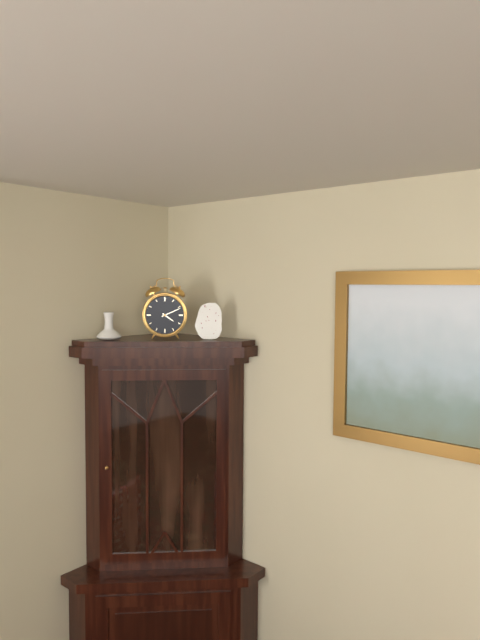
4:11
